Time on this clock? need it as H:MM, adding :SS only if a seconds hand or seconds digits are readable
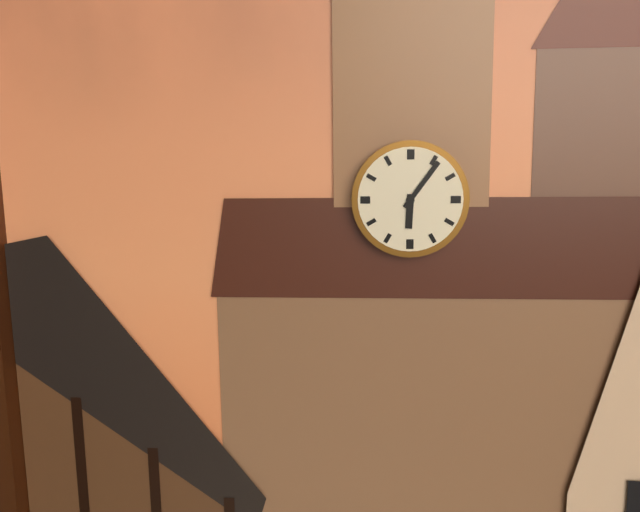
6:06
